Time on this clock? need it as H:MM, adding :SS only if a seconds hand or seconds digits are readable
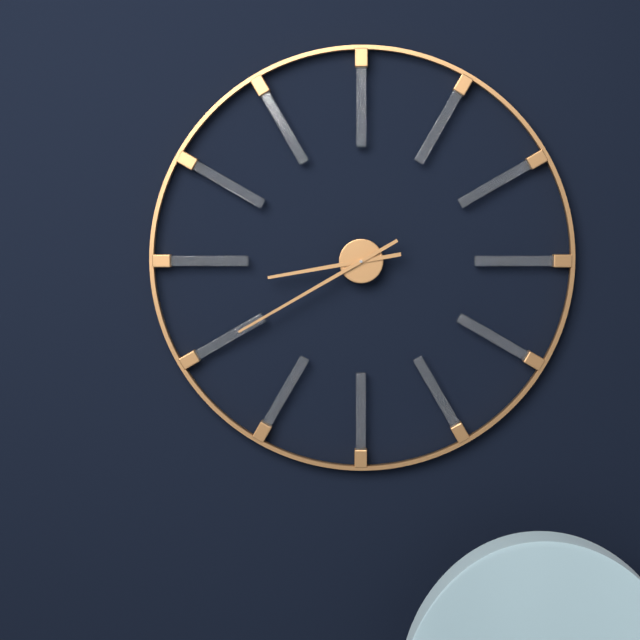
8:40
